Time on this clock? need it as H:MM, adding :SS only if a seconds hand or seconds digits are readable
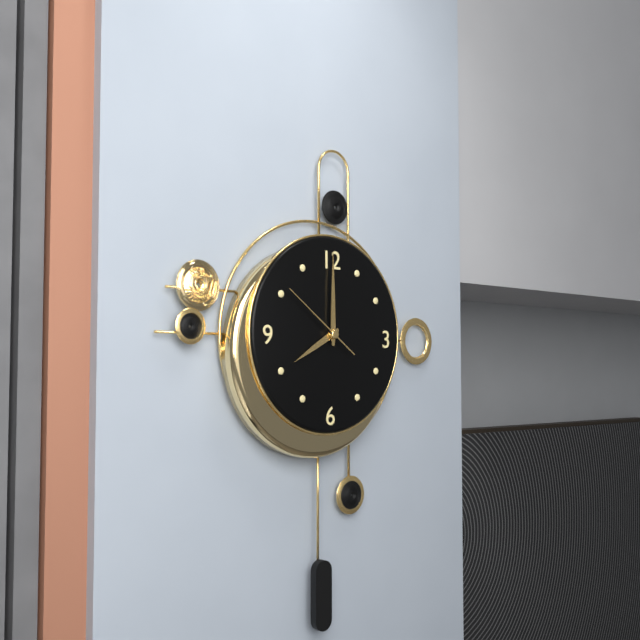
8:00:51
